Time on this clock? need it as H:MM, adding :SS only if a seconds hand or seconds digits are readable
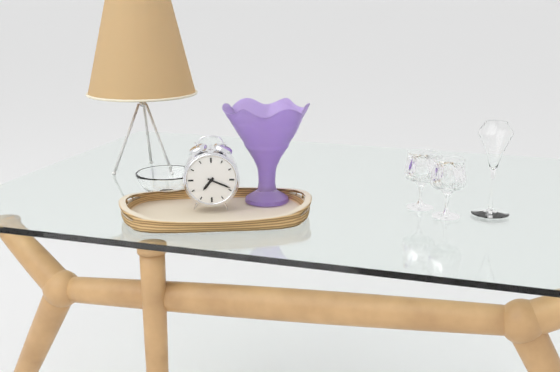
7:19
